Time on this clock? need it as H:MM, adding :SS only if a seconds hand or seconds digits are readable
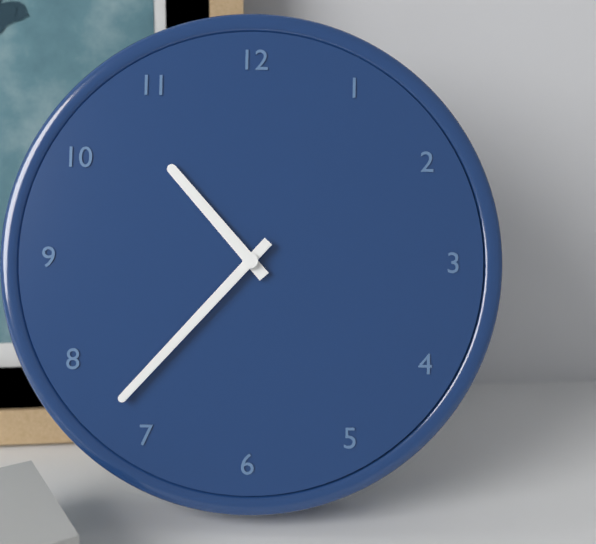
10:37
